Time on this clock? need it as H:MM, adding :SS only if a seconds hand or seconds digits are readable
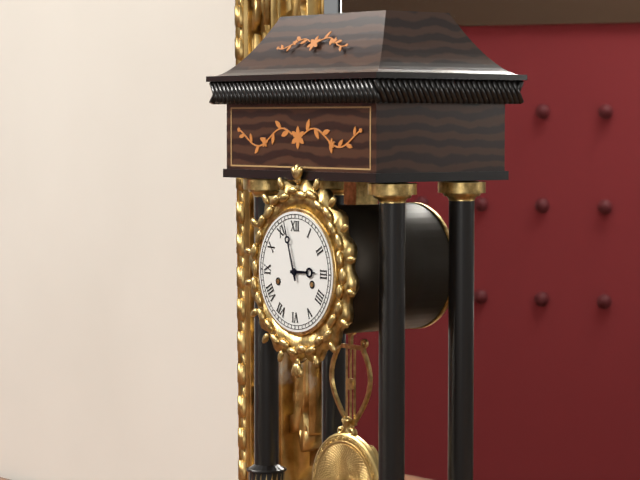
2:57
